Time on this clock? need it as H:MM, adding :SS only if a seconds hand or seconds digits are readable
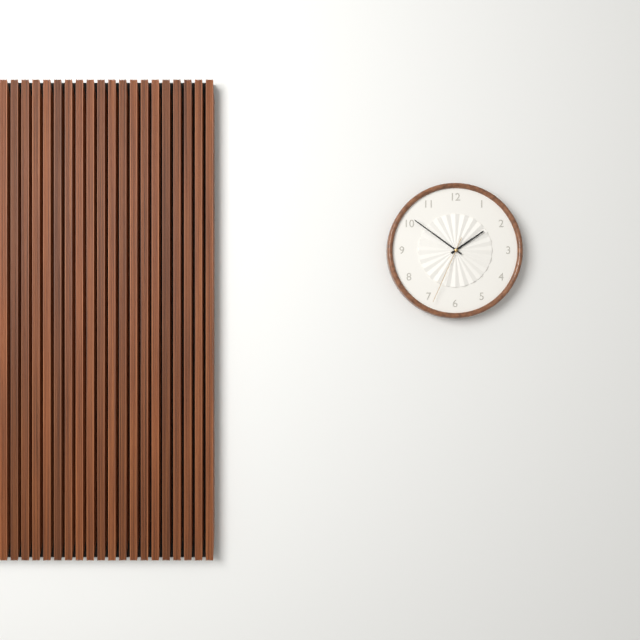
1:51:34
